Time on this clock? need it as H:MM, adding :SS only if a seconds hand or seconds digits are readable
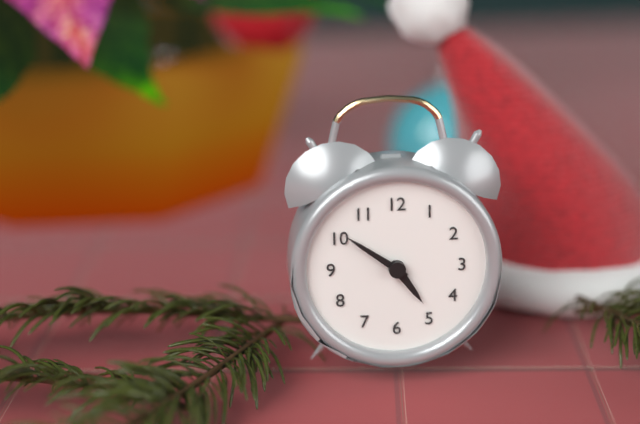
4:51
